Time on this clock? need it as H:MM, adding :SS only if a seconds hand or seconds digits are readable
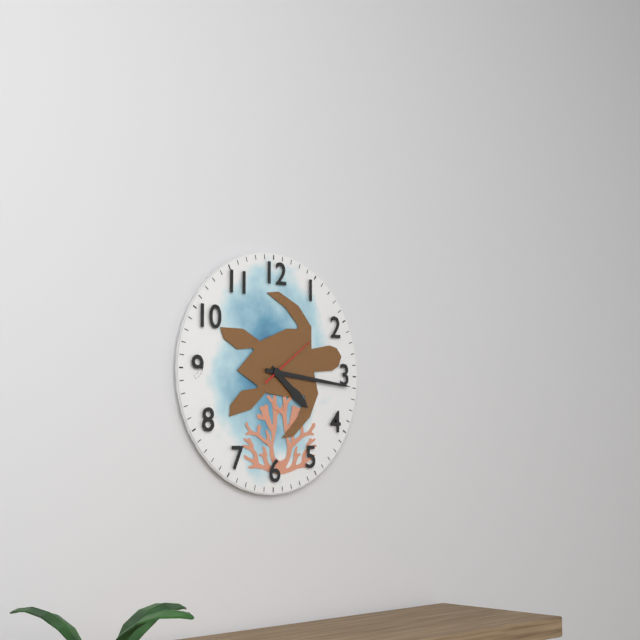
4:16:09
